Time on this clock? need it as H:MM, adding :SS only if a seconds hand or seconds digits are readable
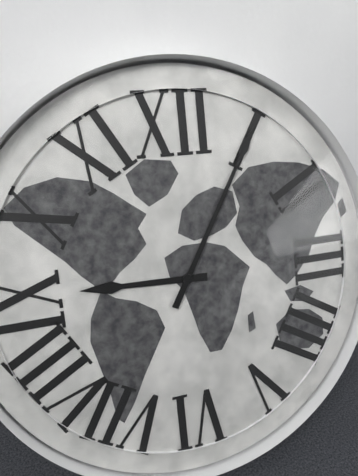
9:05
